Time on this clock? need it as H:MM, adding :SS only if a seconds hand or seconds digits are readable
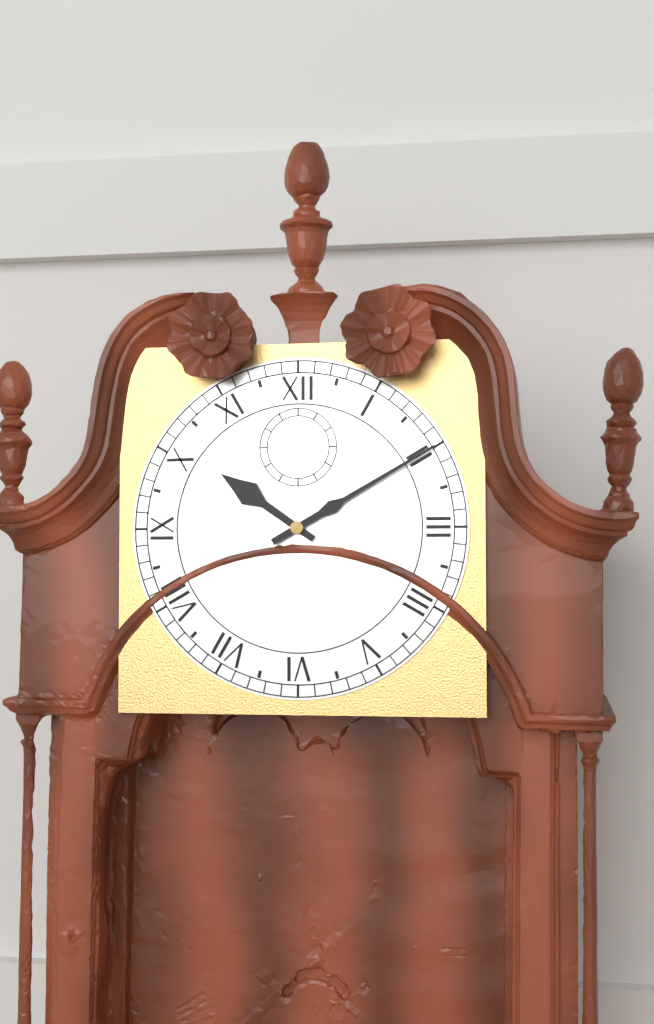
10:10
